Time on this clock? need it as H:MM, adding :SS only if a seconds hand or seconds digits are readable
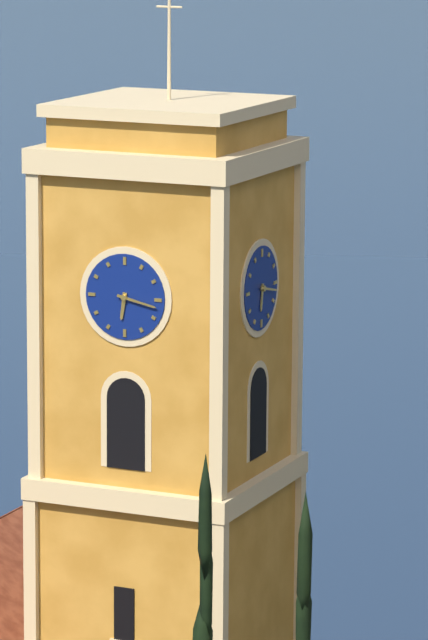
6:17
